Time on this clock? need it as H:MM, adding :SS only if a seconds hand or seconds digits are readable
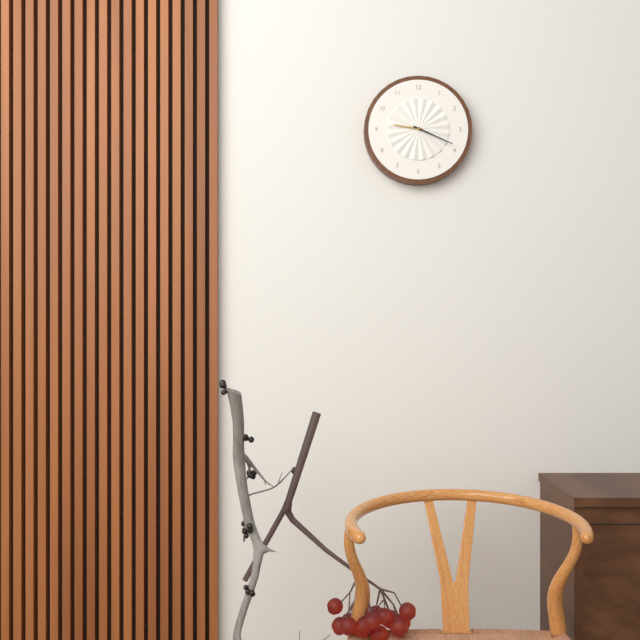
9:19
